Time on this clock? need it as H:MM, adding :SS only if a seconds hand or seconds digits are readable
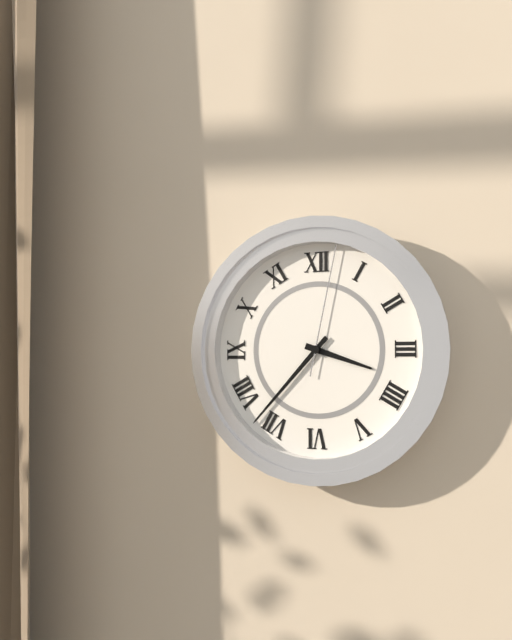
3:37:02
